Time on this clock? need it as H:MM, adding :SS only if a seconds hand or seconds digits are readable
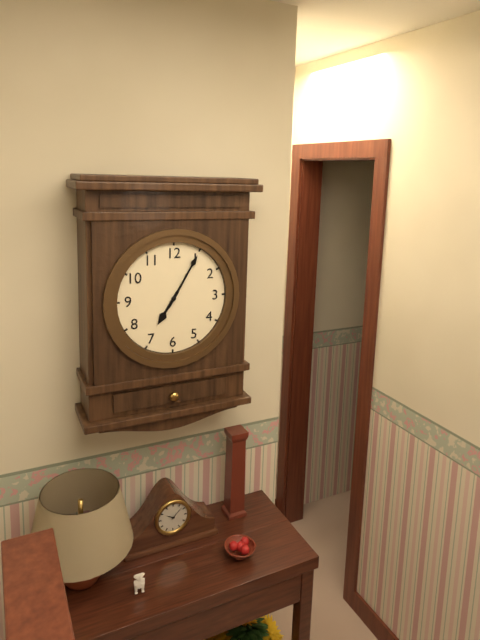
7:05
